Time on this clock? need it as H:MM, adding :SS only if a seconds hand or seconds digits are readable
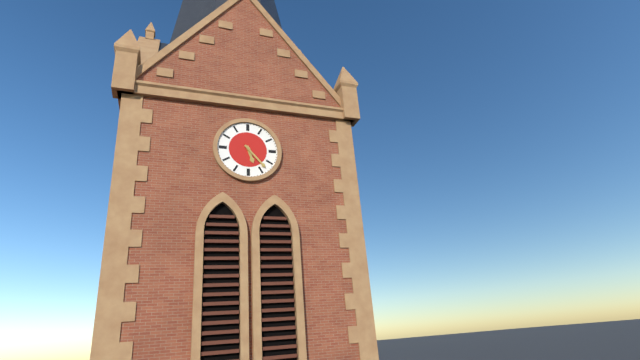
5:23
